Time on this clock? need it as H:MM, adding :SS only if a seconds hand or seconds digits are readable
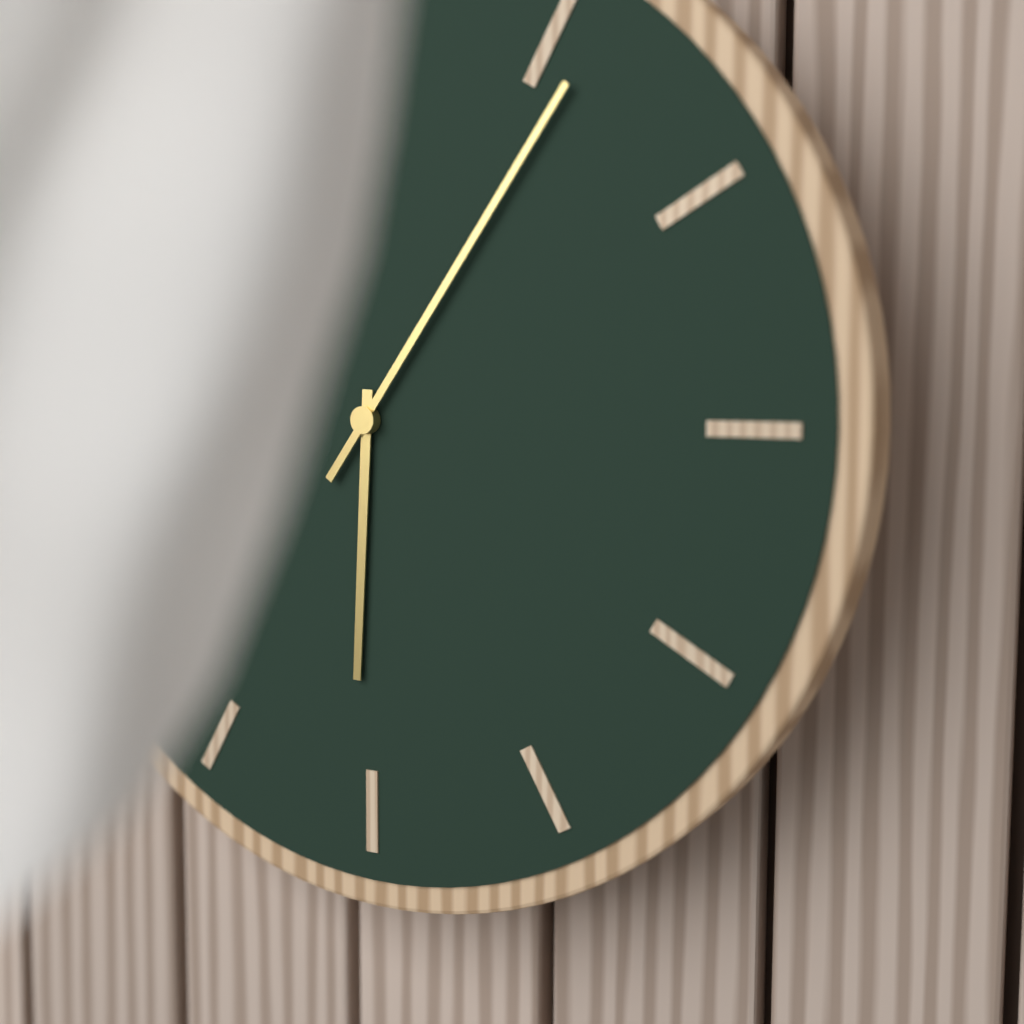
6:06
